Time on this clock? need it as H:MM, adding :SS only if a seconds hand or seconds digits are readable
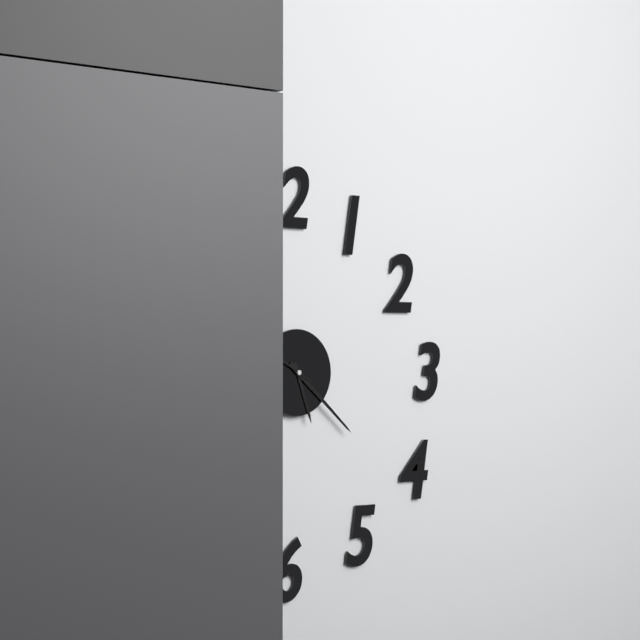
5:22
